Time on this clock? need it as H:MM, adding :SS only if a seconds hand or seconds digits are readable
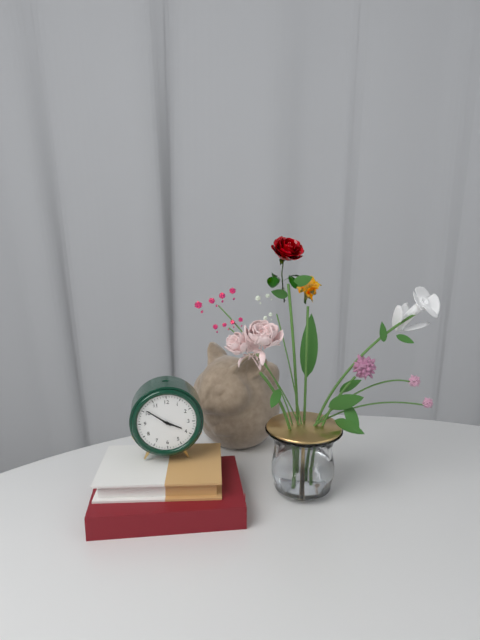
3:51
